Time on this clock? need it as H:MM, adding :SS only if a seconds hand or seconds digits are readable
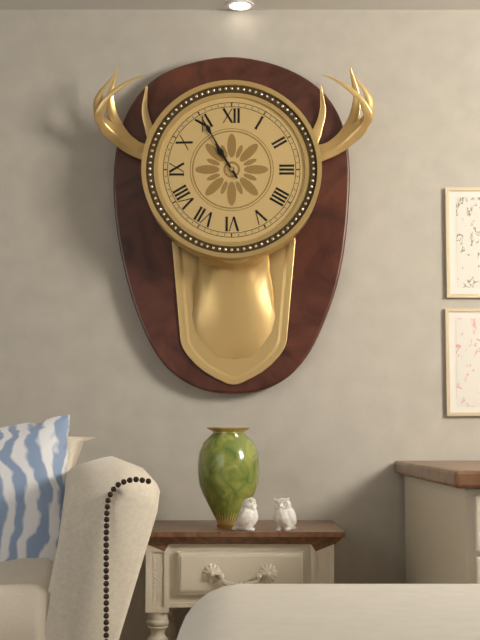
10:55
